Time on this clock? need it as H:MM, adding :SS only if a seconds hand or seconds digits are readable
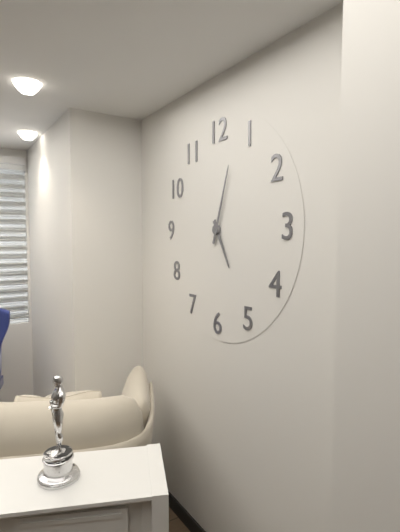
5:03
